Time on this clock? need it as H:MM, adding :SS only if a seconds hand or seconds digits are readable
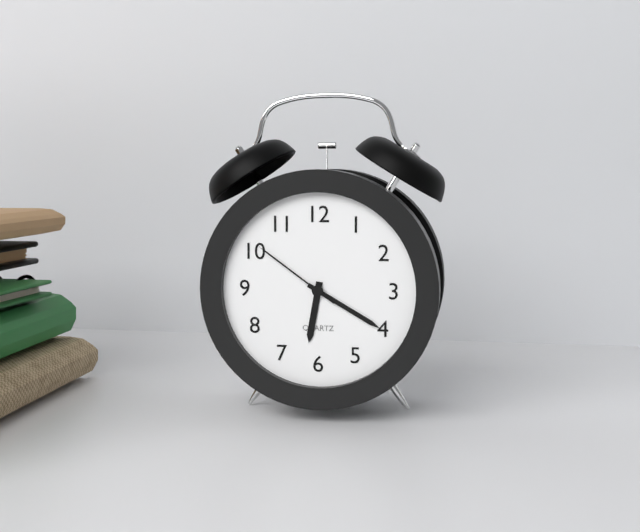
6:20:51
